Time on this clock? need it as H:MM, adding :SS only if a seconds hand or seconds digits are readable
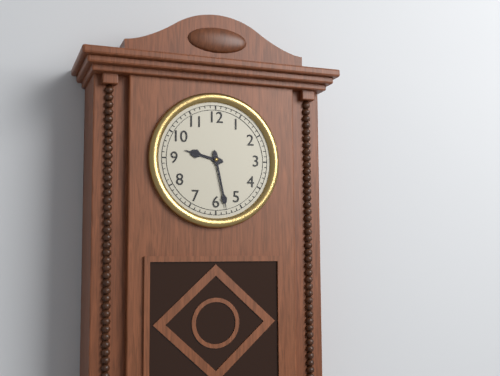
9:28
